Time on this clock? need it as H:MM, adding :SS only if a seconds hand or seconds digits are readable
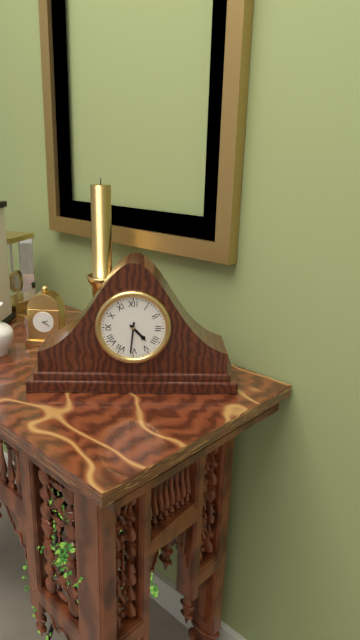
4:31
